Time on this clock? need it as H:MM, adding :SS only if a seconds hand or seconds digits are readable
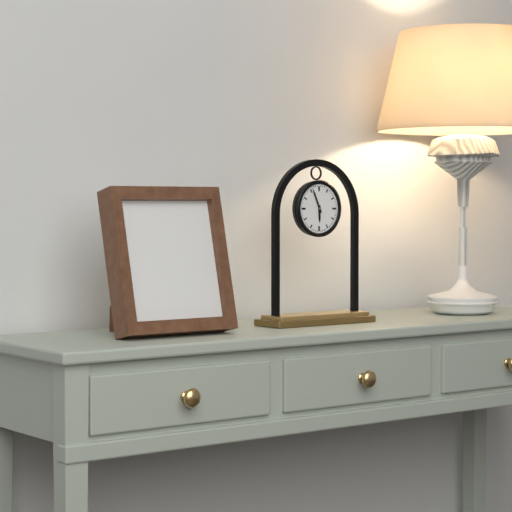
5:56
